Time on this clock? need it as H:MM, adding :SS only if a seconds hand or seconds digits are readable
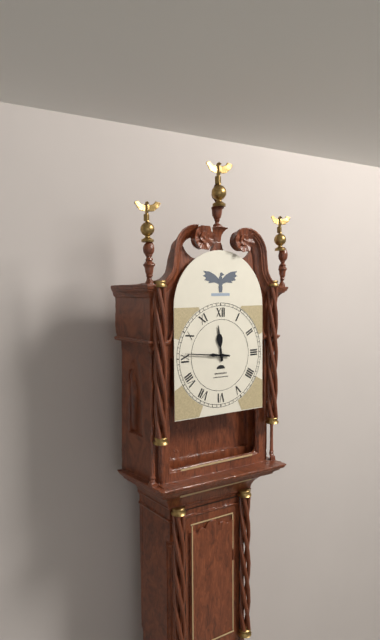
11:46
